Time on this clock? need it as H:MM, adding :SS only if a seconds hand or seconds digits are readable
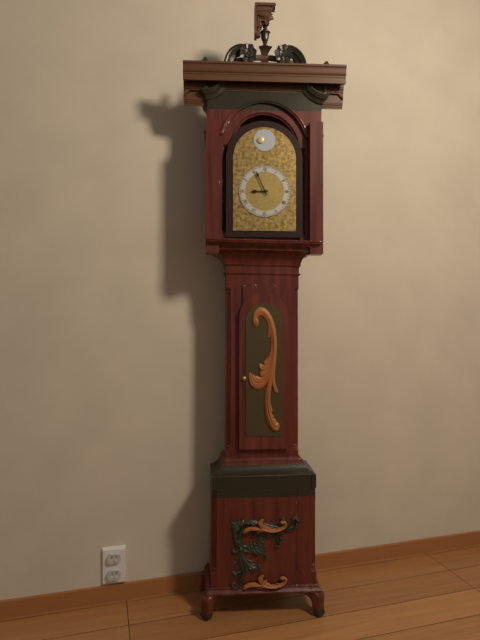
8:56
